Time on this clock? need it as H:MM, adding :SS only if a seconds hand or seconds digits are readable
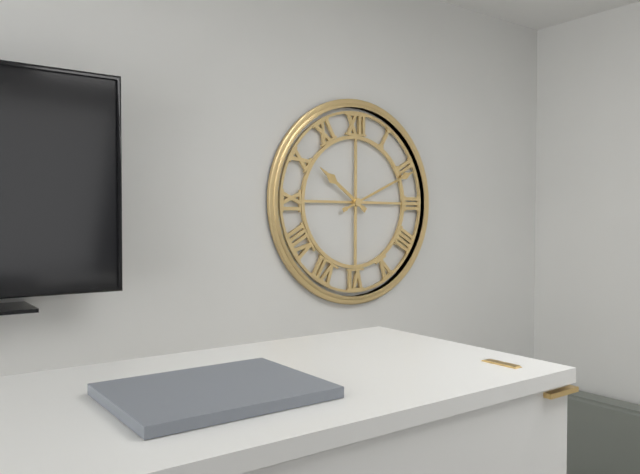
10:11
